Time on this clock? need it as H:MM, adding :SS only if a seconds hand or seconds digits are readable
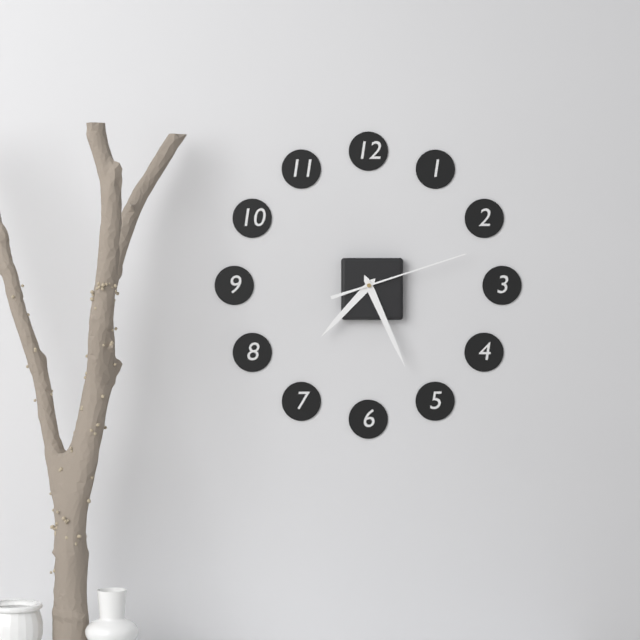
7:26:12
